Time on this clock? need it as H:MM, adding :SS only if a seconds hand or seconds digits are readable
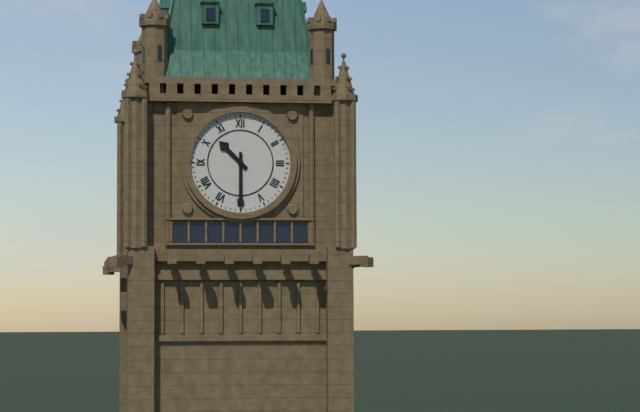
10:30
